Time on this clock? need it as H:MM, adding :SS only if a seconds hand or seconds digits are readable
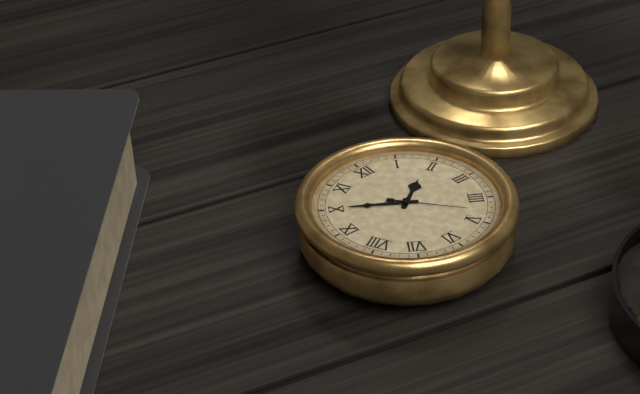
1:50:23
